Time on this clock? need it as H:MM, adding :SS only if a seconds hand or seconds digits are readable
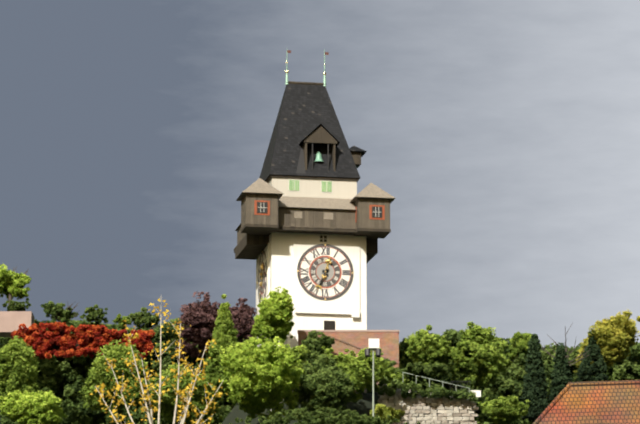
12:34
